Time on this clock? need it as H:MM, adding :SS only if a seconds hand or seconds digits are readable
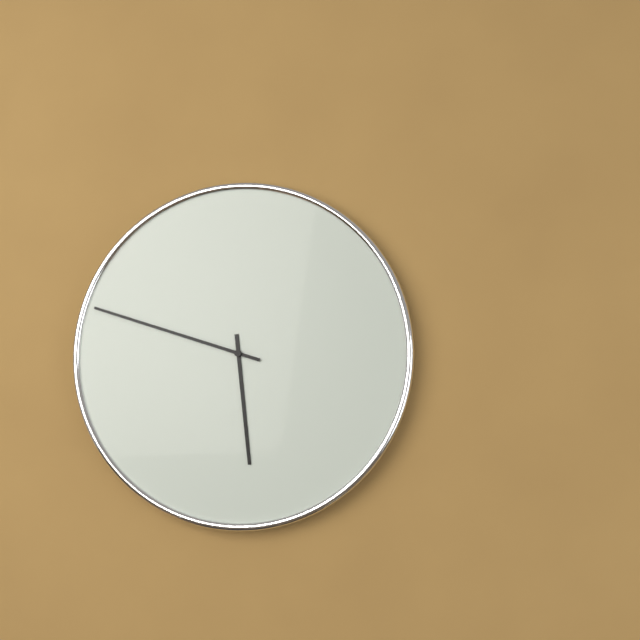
5:48
